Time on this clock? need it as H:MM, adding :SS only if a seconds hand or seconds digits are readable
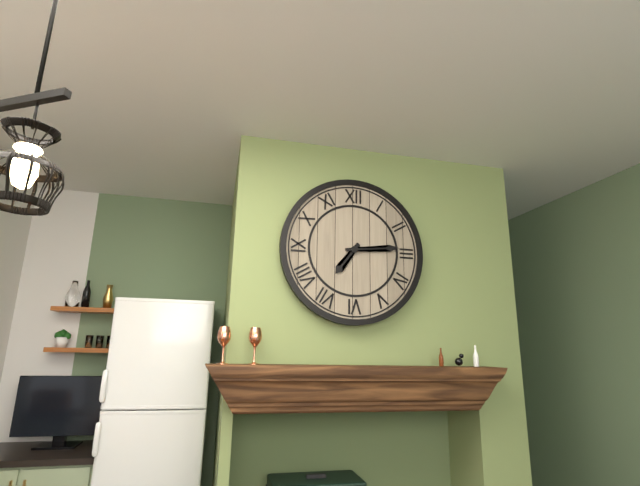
7:14
